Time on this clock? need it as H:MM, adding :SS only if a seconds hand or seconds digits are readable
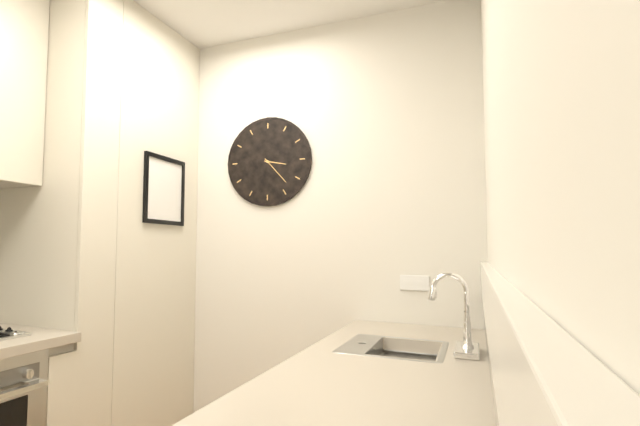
3:23
